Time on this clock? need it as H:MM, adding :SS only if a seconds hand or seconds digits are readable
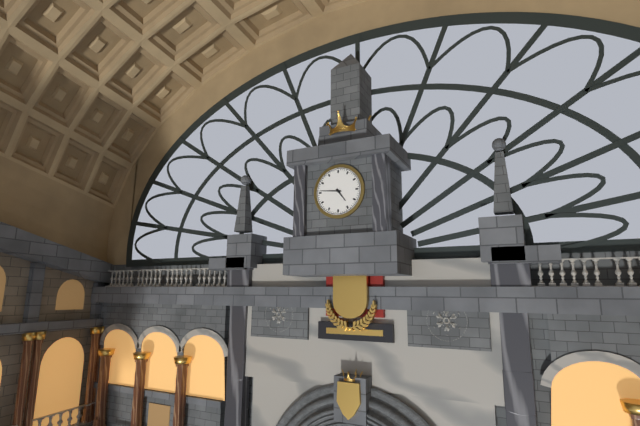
4:46
